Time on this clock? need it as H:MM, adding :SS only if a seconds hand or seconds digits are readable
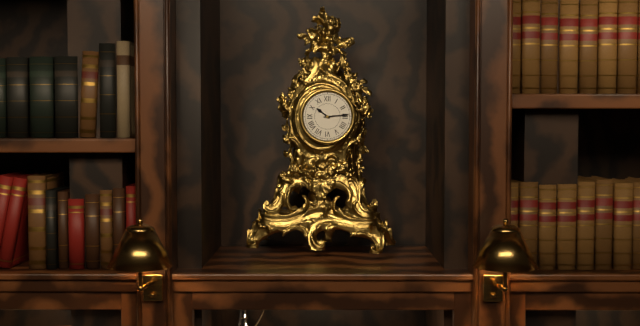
10:14
